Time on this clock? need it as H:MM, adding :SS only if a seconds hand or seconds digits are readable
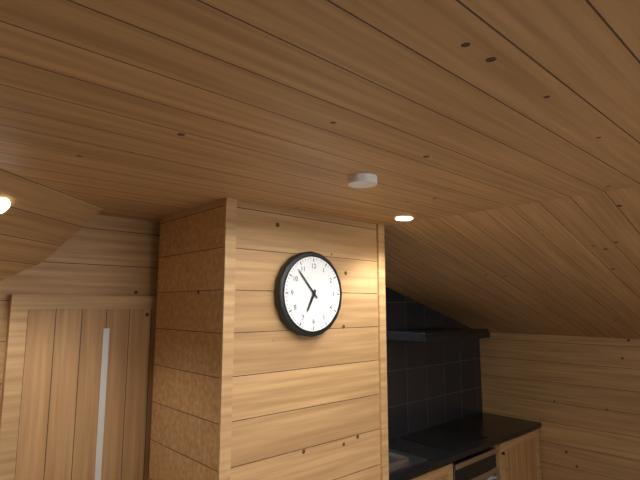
6:53
